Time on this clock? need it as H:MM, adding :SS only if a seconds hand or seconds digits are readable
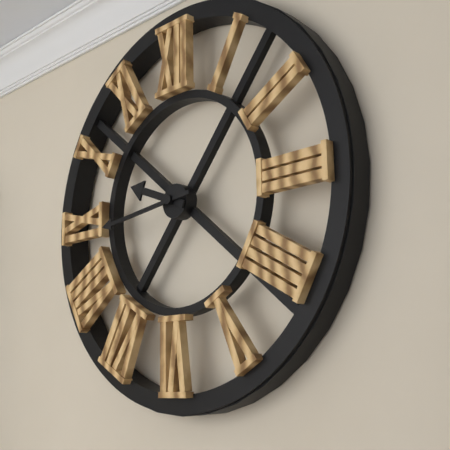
9:44
